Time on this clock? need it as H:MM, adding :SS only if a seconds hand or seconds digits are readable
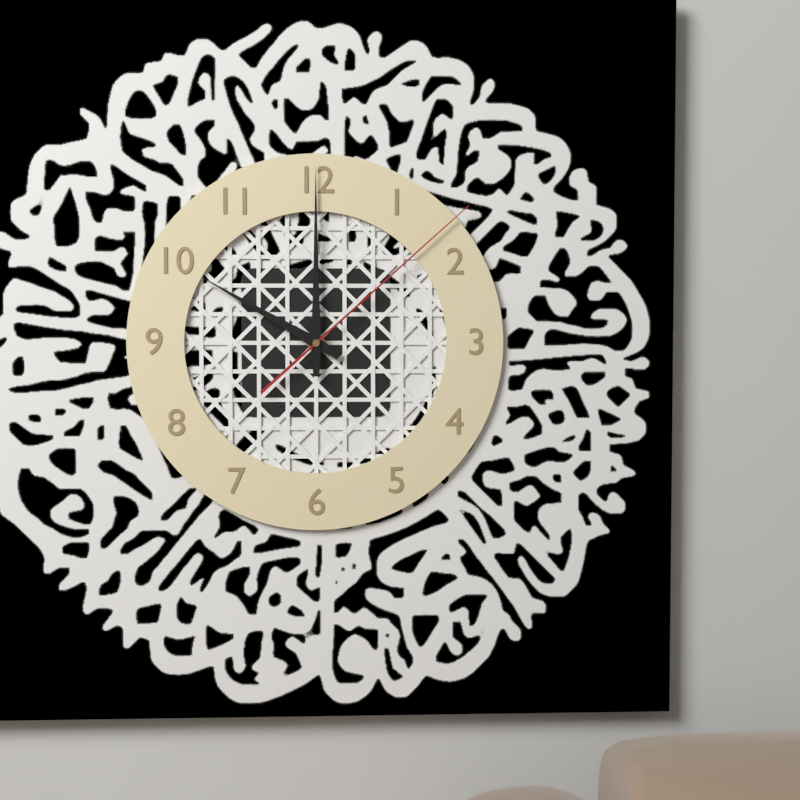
10:00:08
